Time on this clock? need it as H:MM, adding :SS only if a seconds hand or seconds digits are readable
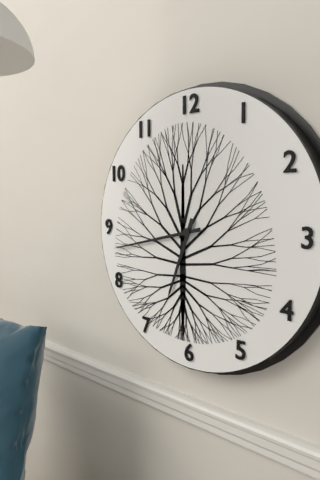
6:43
